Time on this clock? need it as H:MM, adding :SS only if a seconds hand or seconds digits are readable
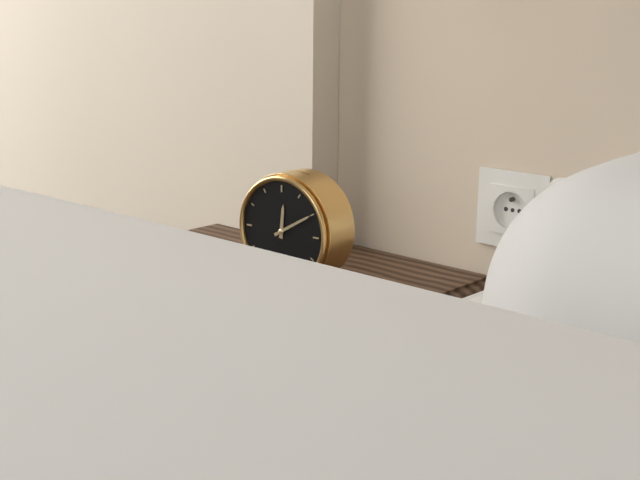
12:10
